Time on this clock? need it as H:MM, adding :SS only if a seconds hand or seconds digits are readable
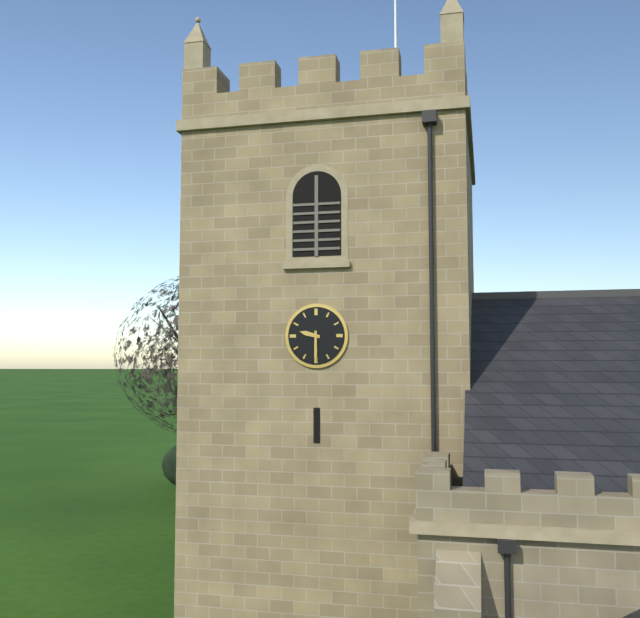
9:30
